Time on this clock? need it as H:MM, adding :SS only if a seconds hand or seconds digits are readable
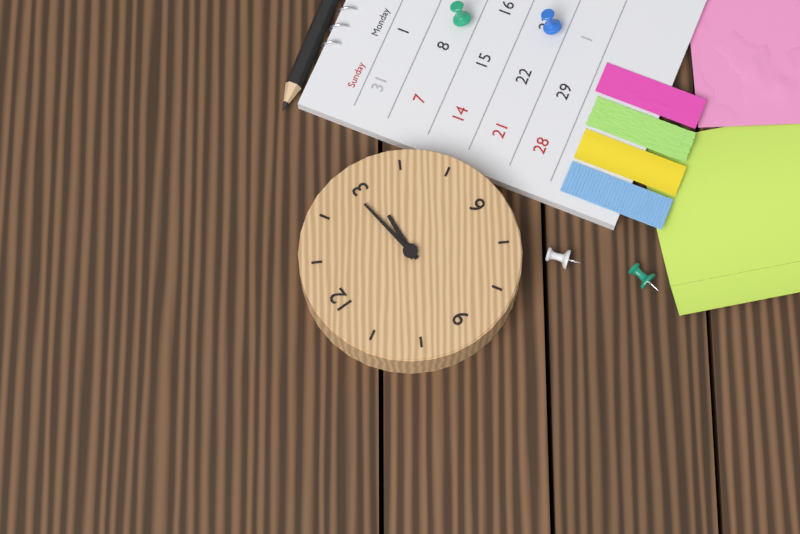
3:14
